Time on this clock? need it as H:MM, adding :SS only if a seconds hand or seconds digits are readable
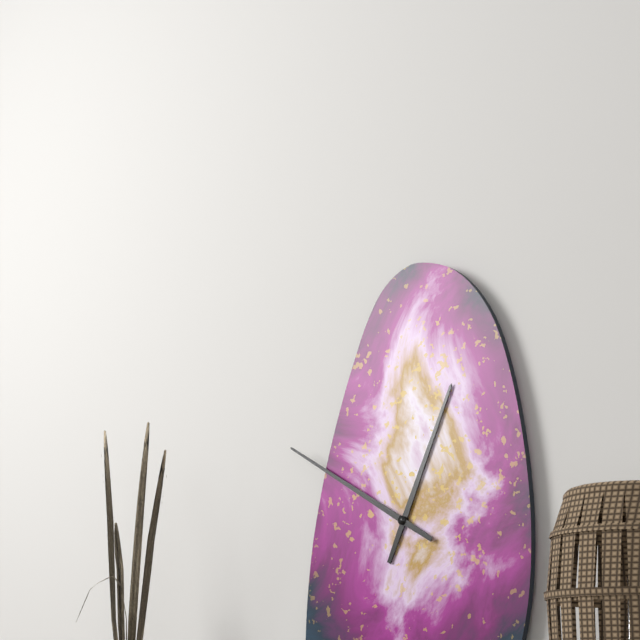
12:50
